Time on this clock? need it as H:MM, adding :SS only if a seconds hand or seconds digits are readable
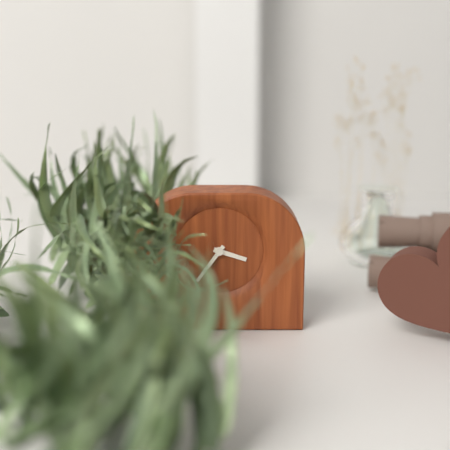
3:36
